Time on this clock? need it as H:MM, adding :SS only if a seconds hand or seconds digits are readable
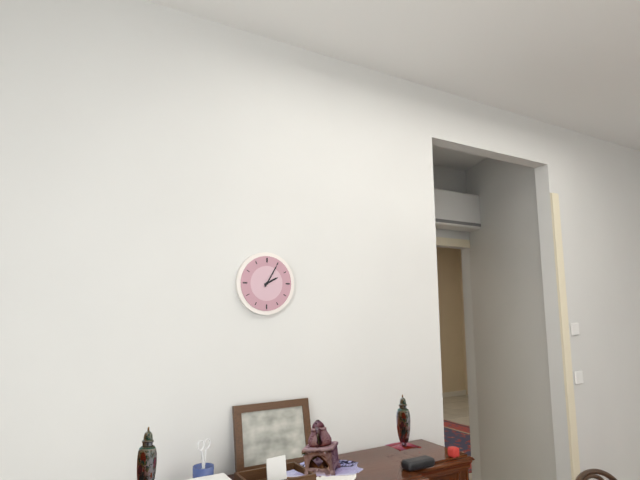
2:05
